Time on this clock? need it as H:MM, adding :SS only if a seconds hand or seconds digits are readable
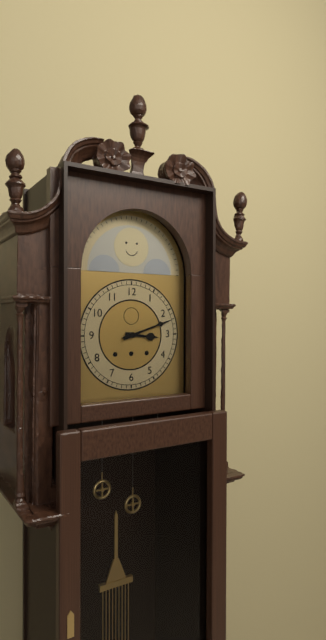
3:12
